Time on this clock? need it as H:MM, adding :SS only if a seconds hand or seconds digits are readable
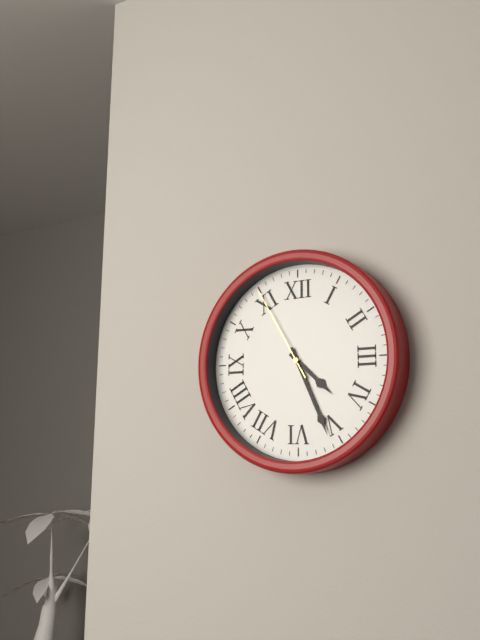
4:26:55
